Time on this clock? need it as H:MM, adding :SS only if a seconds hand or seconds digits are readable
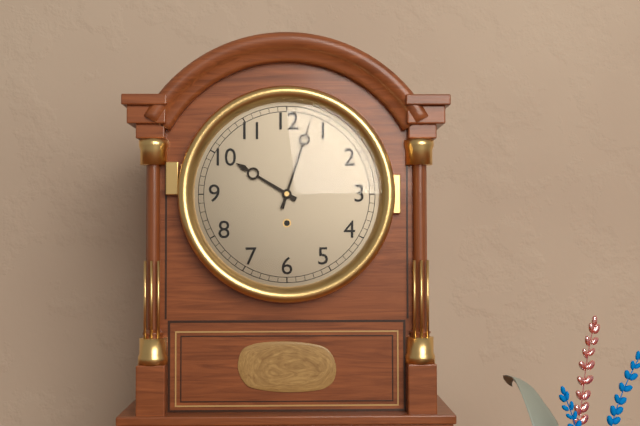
10:03
